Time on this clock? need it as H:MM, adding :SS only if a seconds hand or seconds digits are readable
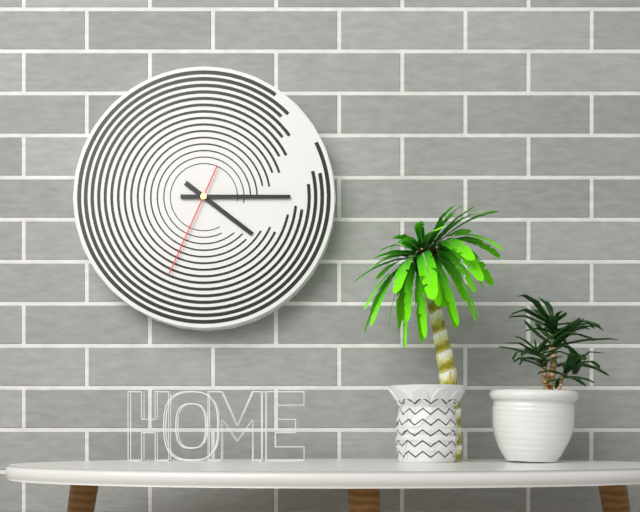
4:15:34
